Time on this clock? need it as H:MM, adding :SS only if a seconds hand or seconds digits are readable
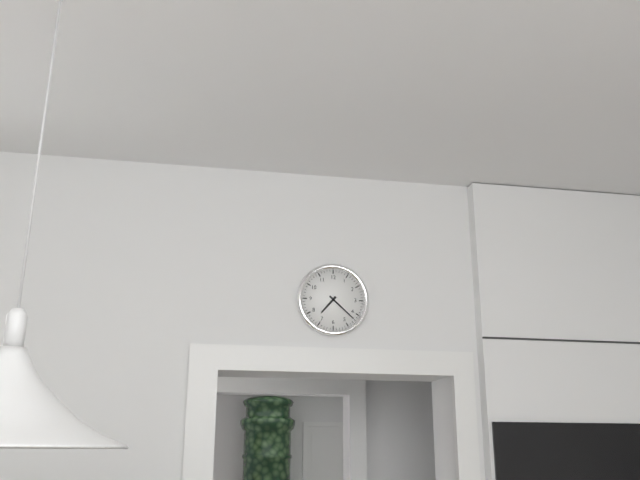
7:22
